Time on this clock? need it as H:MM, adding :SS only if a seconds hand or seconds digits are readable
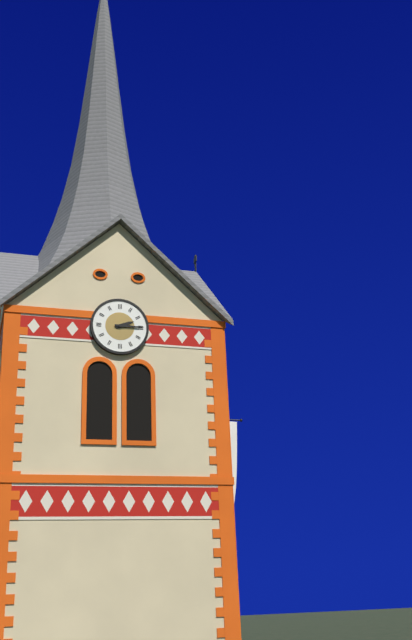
2:15
